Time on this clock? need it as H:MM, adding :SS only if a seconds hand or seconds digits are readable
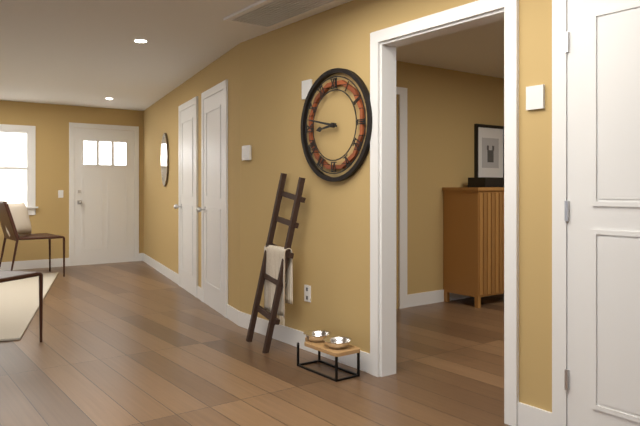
8:47
